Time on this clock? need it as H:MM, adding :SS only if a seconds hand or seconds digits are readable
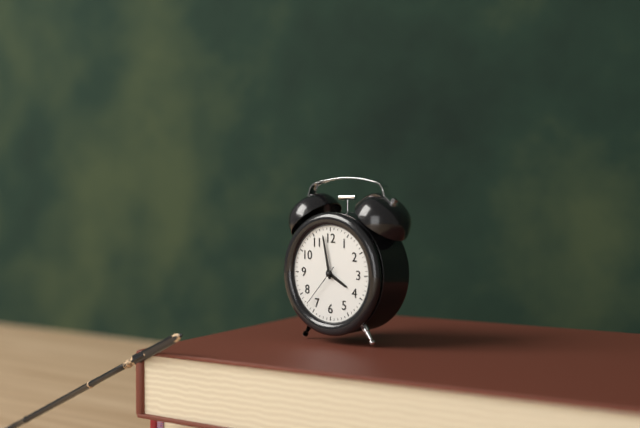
3:58
